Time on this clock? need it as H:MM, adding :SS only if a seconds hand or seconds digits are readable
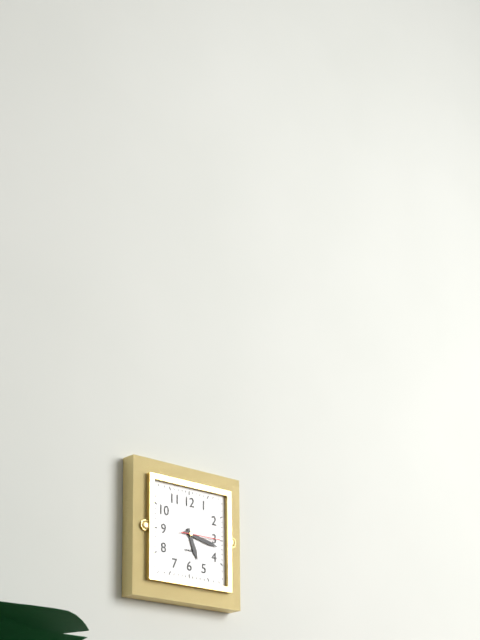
5:17
